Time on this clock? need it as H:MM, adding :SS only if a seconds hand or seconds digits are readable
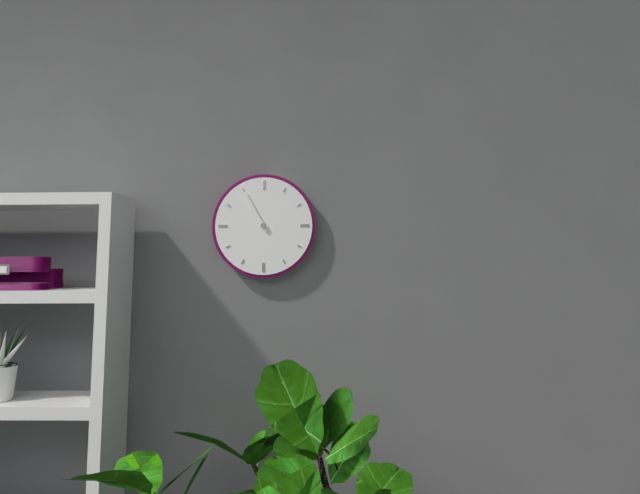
10:55
